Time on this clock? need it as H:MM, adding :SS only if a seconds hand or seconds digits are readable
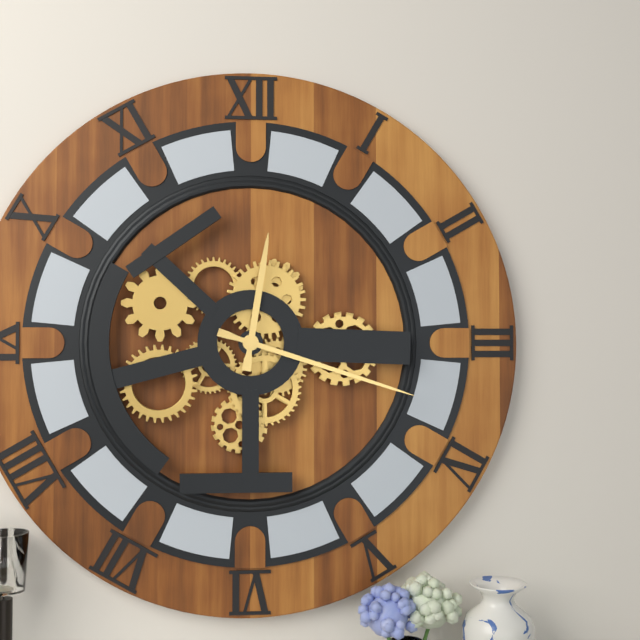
12:18
